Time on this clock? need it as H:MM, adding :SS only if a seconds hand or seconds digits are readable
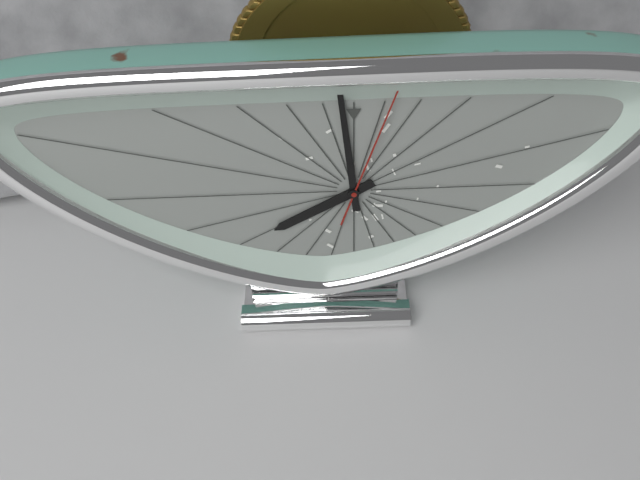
7:59:03
